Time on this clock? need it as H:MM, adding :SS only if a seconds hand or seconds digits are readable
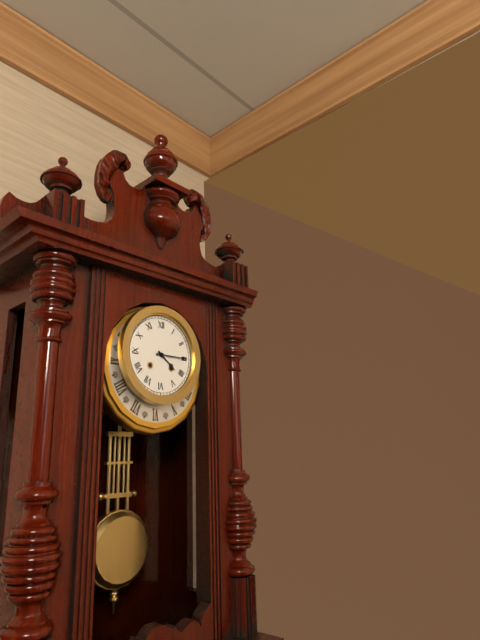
4:15
